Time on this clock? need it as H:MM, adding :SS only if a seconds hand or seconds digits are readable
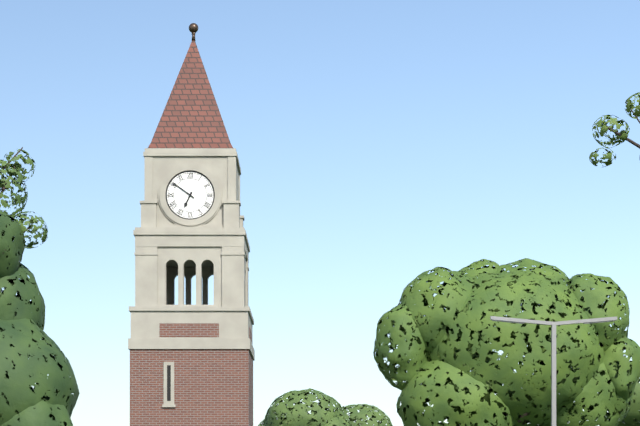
6:51
